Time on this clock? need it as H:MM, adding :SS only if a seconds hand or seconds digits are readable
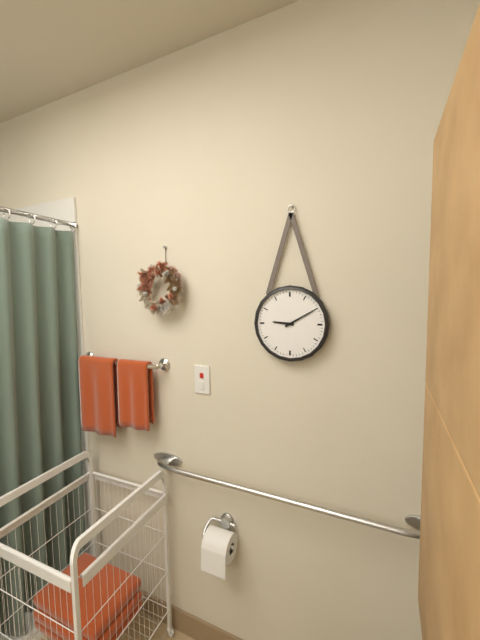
9:10
